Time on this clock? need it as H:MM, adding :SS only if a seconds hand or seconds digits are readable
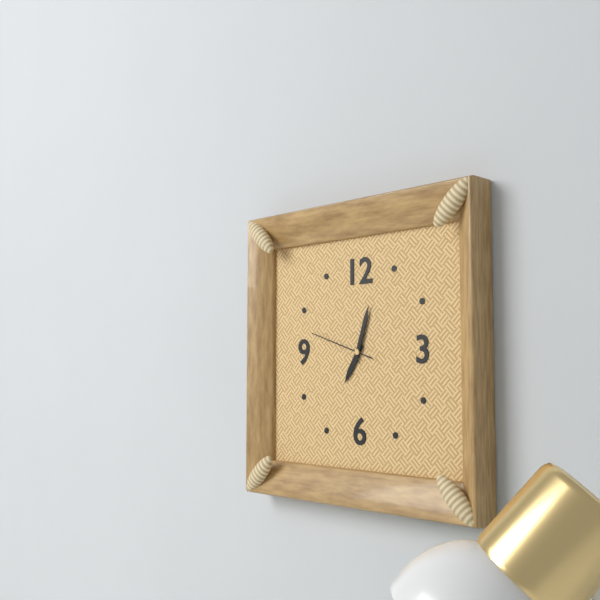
7:03:48
